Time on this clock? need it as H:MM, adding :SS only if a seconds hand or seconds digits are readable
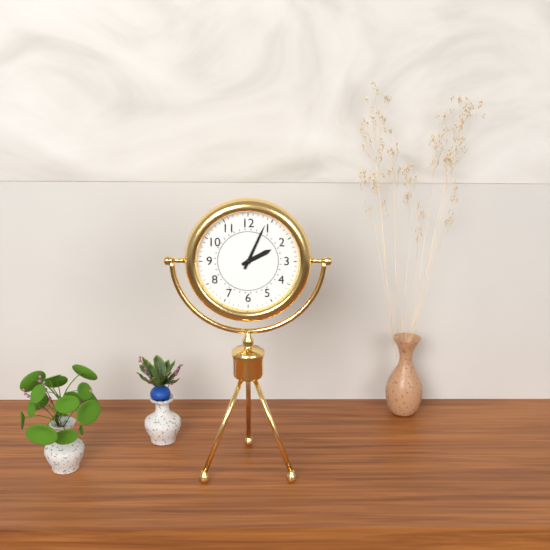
2:04
